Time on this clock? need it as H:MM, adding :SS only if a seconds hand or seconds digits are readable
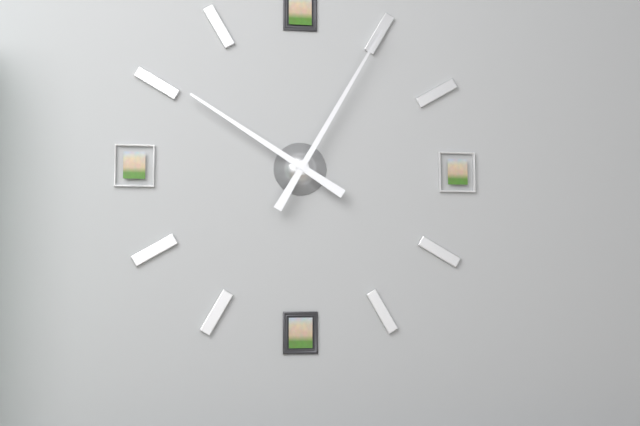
10:05
